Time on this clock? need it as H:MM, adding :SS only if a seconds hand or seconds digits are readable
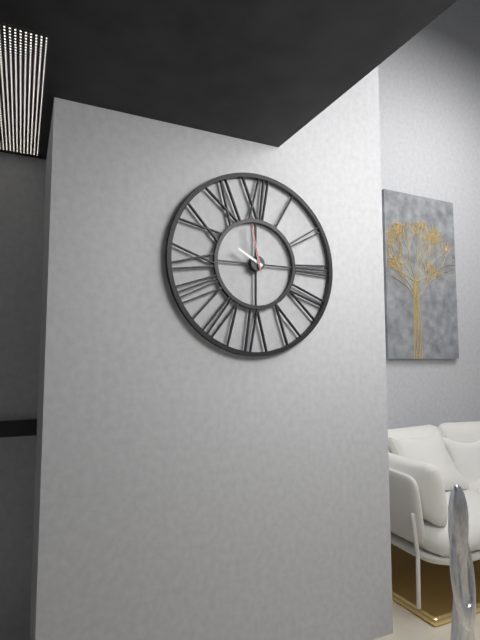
9:58:58
